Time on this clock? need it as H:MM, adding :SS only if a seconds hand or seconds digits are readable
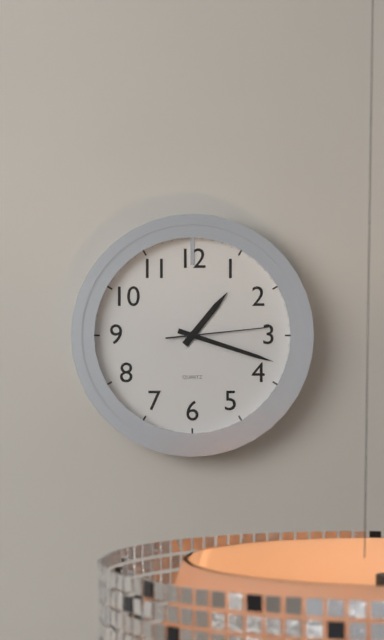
1:18:14
